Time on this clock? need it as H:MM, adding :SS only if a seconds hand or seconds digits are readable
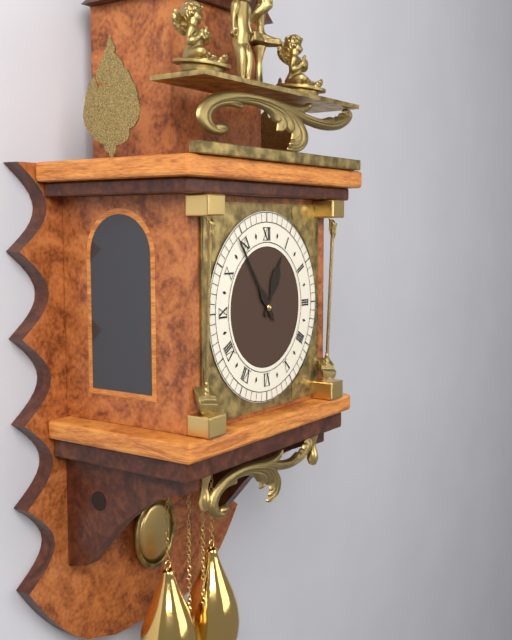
12:54
